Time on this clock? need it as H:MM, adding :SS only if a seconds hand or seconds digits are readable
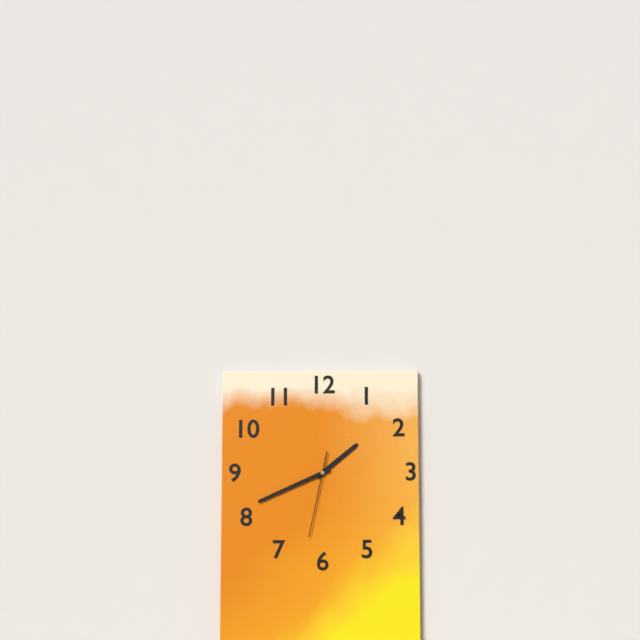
1:41:32
